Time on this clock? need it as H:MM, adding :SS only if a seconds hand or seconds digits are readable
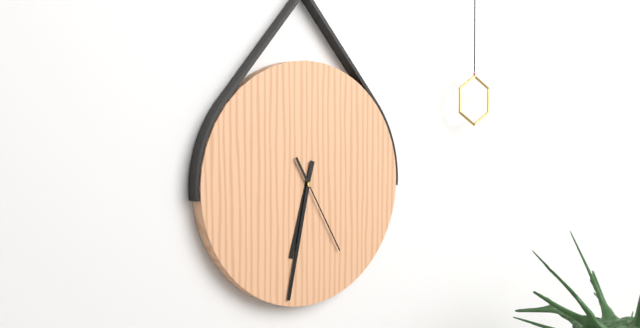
6:32:25
